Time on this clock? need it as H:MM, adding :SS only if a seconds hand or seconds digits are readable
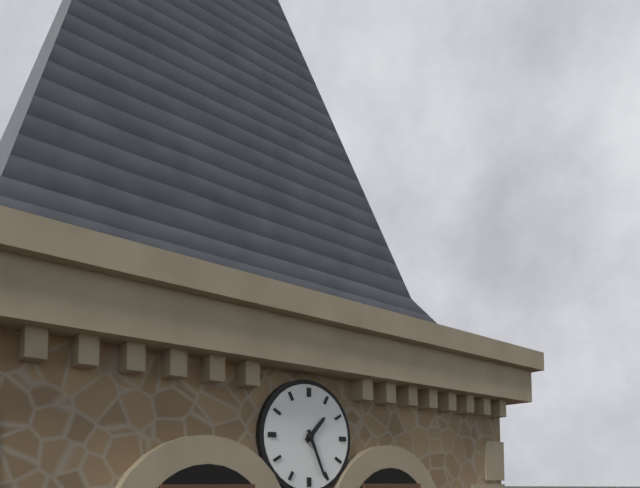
1:26
